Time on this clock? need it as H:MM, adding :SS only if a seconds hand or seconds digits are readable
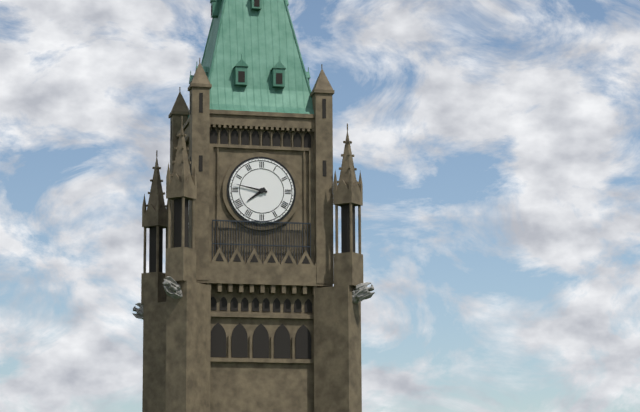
7:47
